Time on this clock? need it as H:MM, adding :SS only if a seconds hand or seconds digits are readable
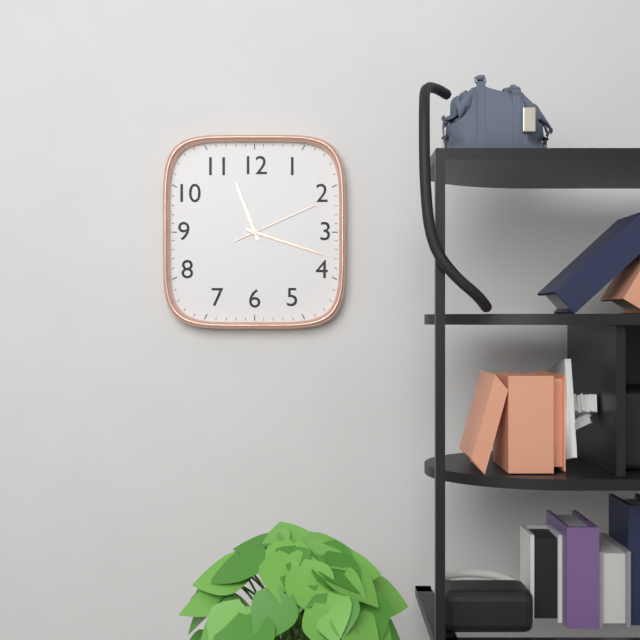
11:18:11
